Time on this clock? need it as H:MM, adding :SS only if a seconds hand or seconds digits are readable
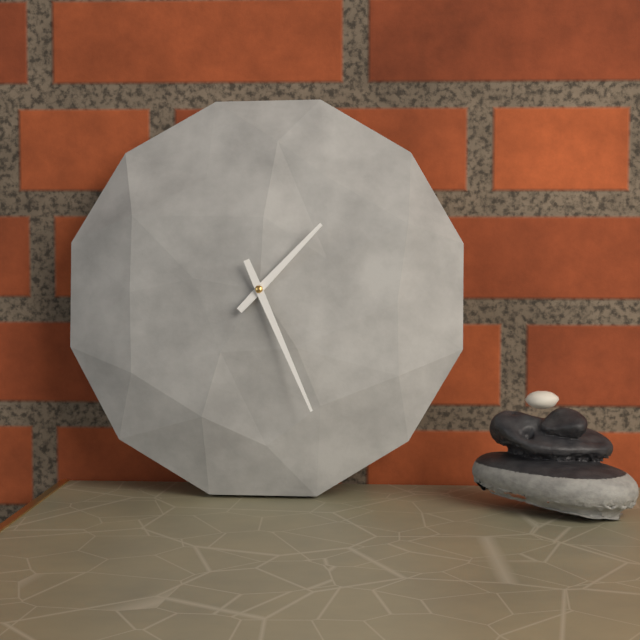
1:26
